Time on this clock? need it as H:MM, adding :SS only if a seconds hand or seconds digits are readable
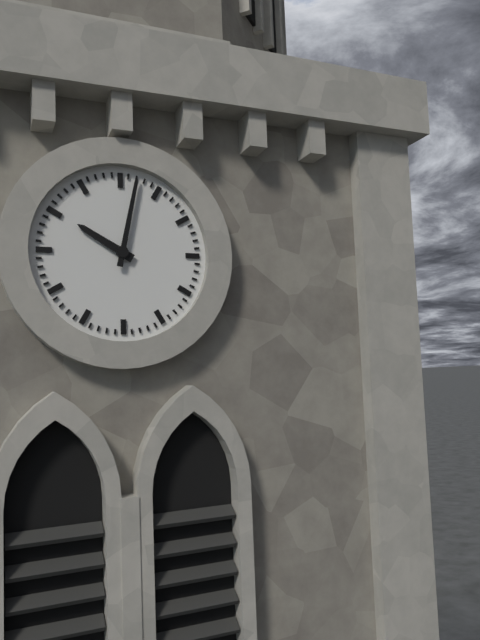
10:02
